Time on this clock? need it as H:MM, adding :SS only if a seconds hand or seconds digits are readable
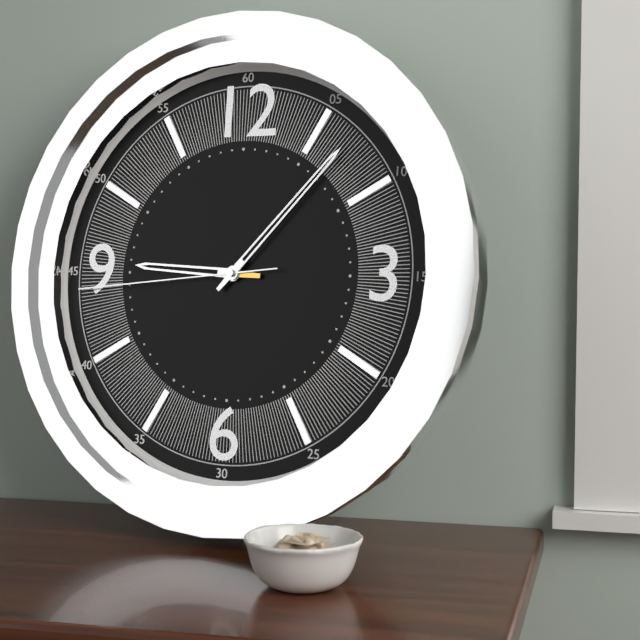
9:07:44
